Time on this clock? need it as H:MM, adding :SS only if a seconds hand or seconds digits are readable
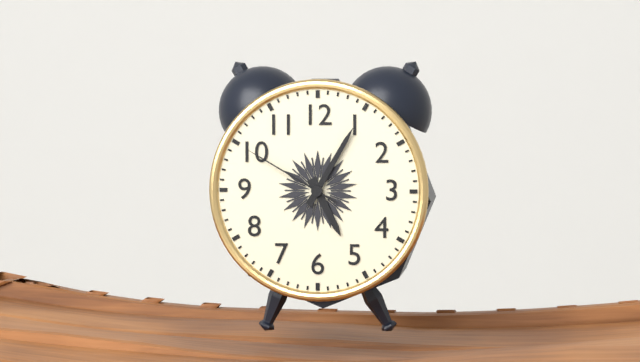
5:05:50
